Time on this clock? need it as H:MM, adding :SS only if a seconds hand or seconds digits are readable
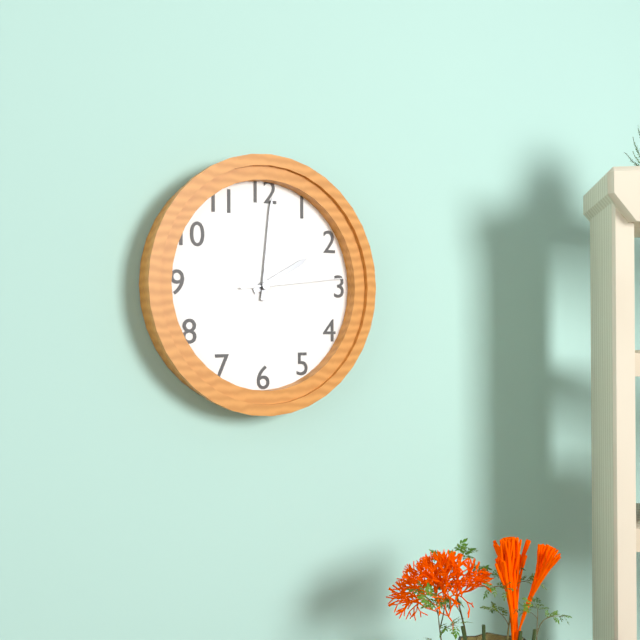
2:01:14
